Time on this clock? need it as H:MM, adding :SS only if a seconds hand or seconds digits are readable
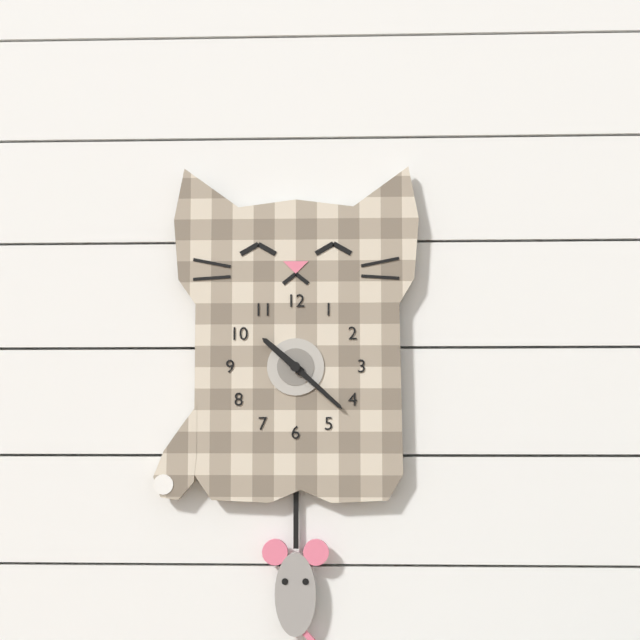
10:22
